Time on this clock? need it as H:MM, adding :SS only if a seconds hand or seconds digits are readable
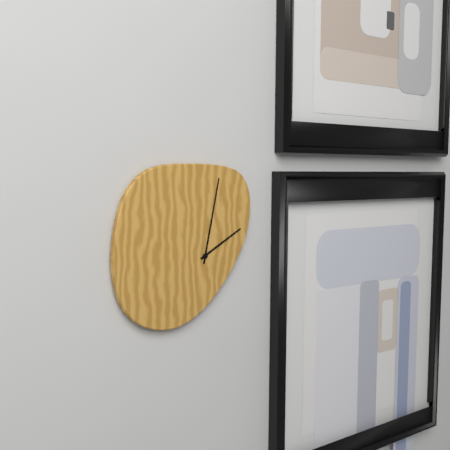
2:02
